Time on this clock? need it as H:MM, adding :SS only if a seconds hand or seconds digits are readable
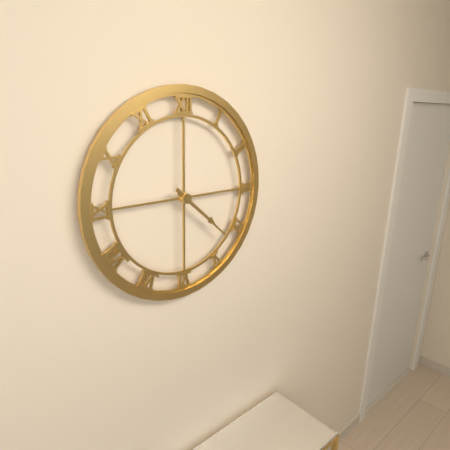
4:22
